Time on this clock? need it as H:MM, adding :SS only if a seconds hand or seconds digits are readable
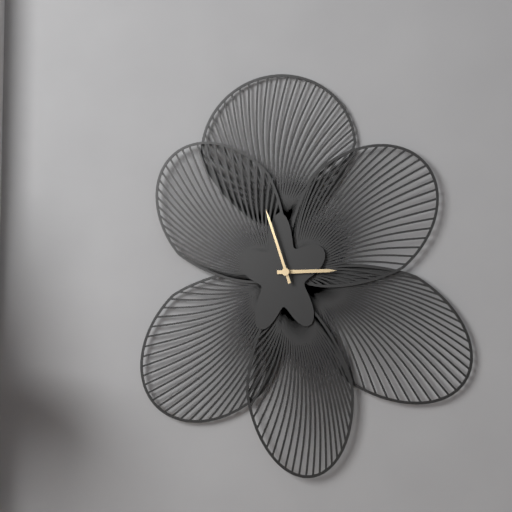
2:57
